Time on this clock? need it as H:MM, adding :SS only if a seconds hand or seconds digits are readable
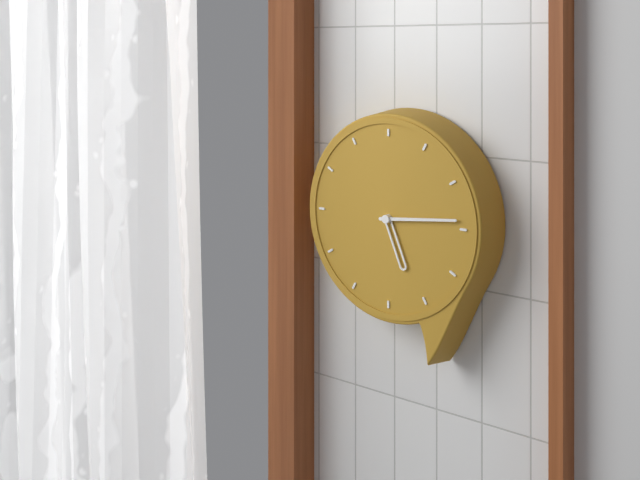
5:14
